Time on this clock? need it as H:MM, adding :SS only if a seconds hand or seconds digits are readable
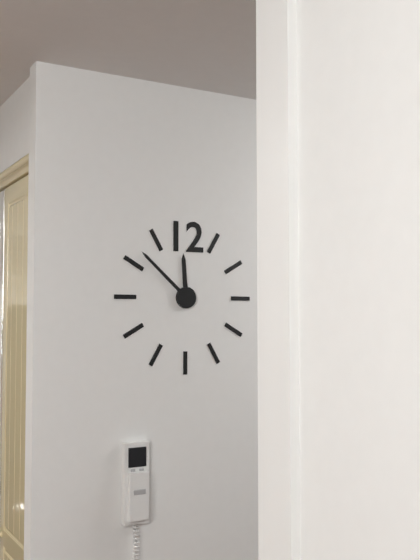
11:52
